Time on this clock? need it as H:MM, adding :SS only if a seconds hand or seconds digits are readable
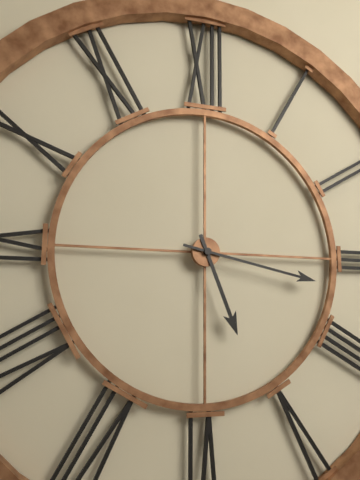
5:17
